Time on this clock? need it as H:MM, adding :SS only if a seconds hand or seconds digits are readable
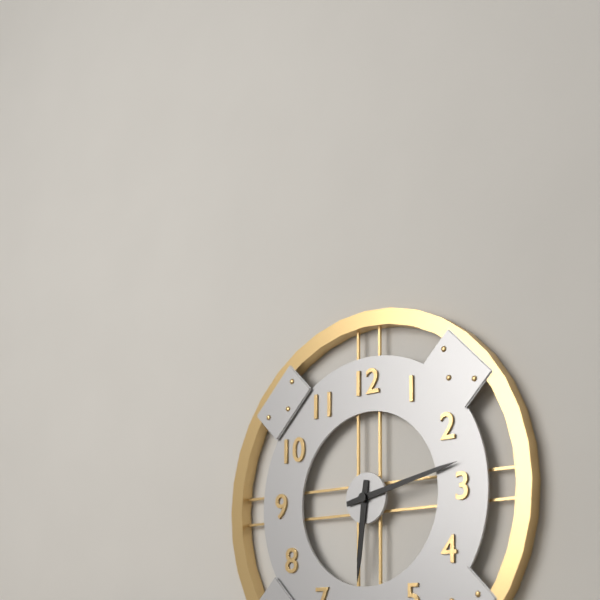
6:13
